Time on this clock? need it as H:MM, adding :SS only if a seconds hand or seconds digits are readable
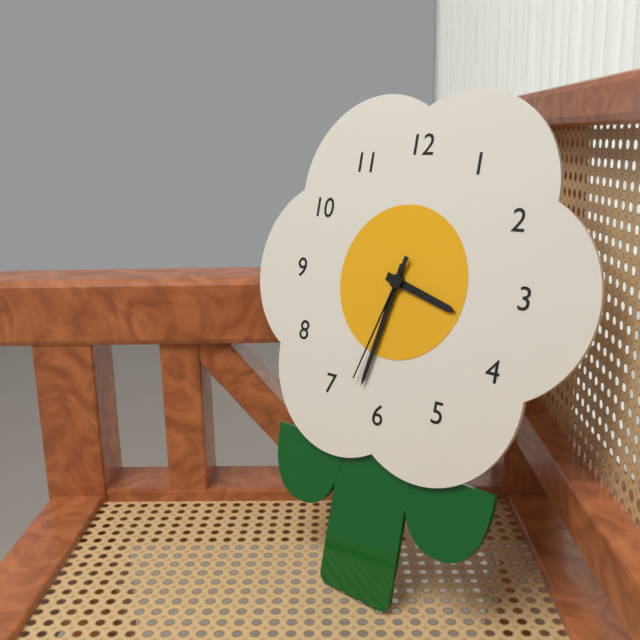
3:32:33
